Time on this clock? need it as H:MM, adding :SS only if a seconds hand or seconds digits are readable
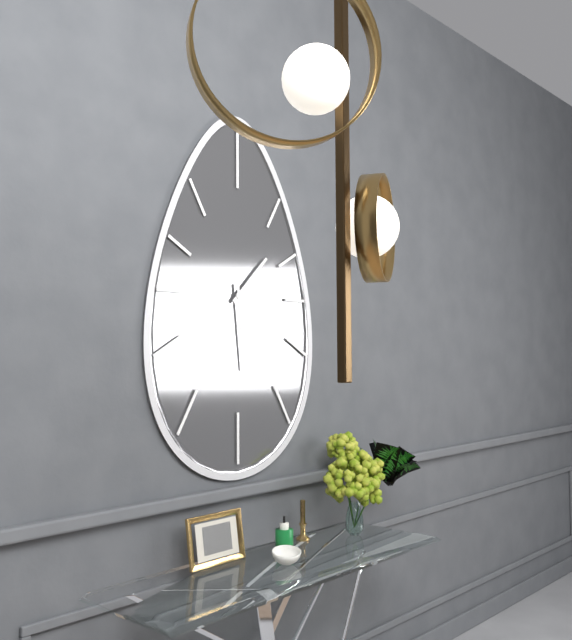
1:29
